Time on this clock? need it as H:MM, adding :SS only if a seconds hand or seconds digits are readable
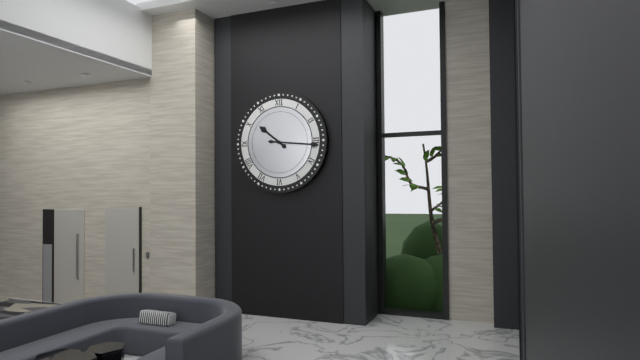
10:16
